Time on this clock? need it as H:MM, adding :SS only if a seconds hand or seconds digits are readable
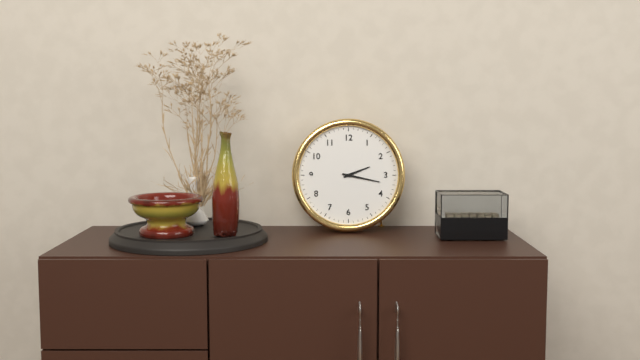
2:17
